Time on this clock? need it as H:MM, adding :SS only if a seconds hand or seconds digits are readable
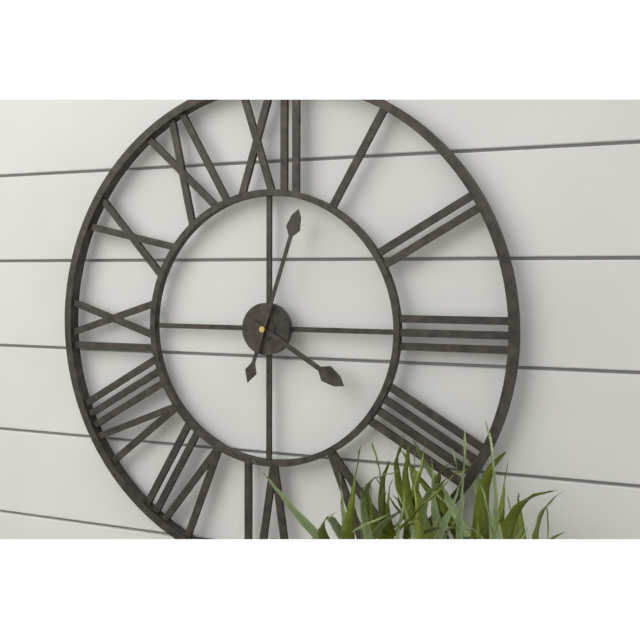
4:03
